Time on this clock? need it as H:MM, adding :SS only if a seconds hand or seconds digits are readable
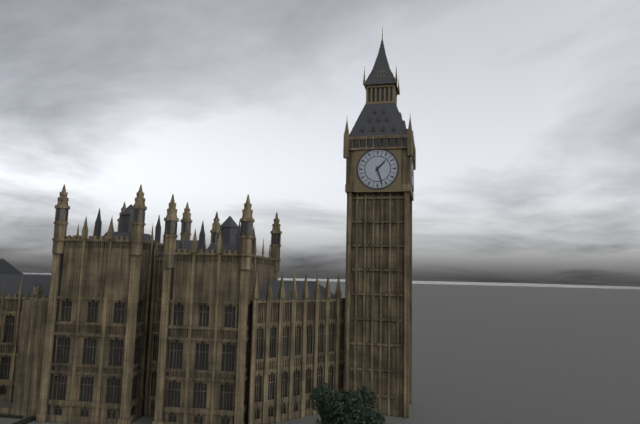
1:27
